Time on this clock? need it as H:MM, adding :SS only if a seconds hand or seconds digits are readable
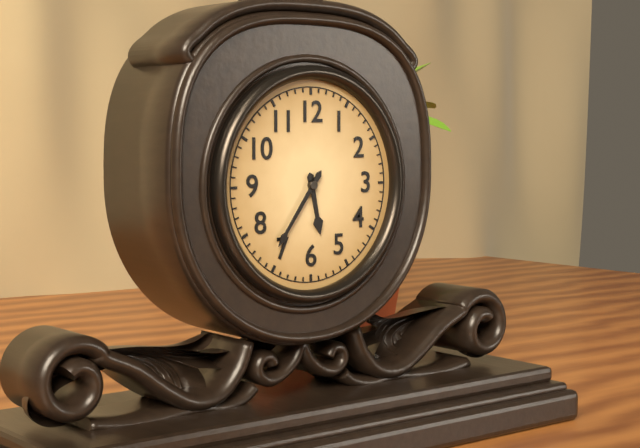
5:36
